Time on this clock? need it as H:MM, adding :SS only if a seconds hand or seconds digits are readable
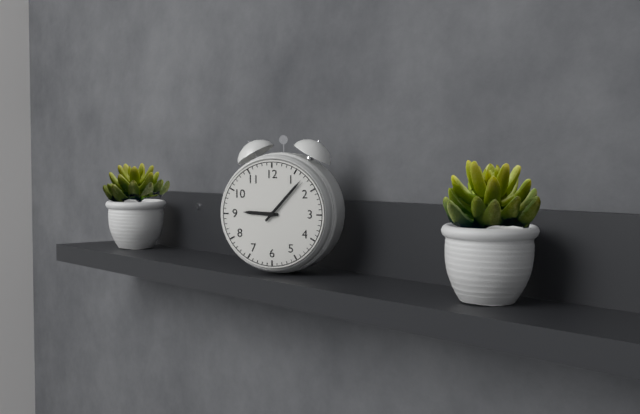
9:07
